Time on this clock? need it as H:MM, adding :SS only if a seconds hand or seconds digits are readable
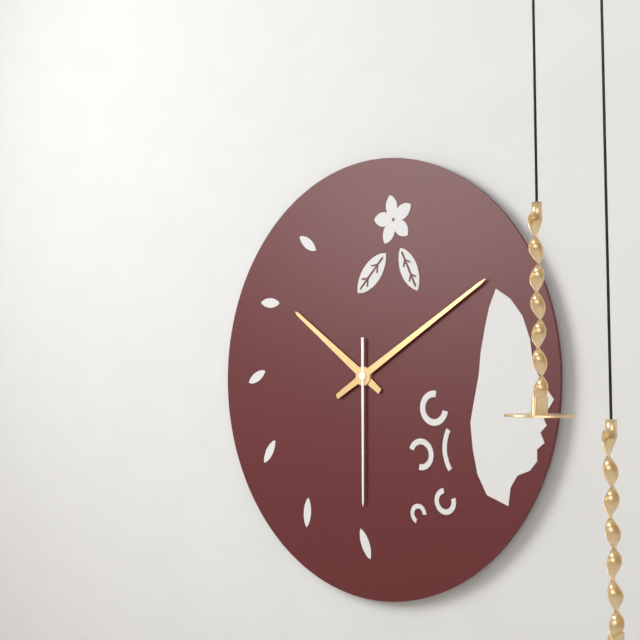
10:10:30
